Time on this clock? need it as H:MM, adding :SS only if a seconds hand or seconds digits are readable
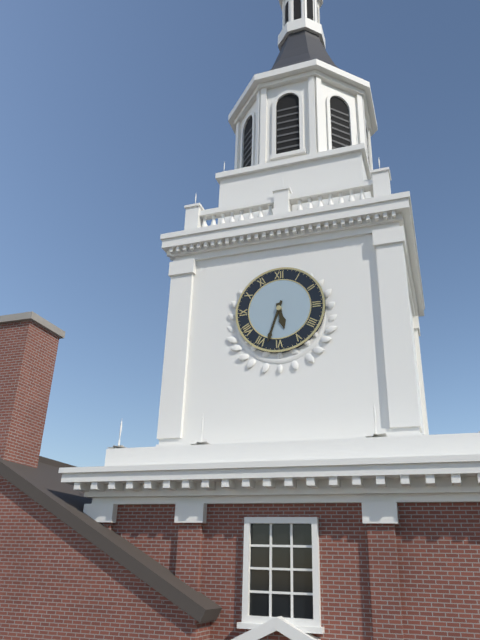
5:33
